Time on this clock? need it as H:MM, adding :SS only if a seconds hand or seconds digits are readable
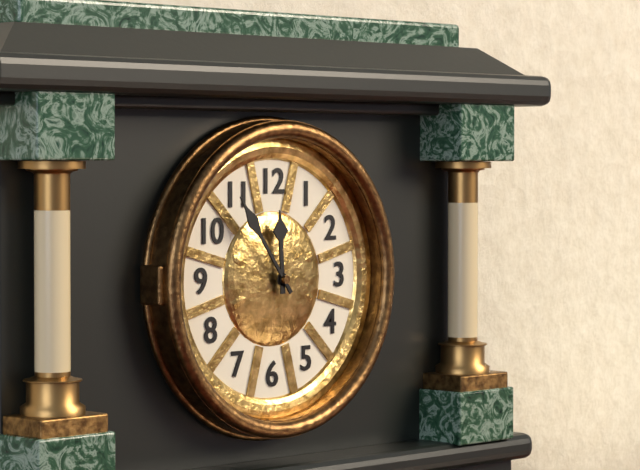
11:54
